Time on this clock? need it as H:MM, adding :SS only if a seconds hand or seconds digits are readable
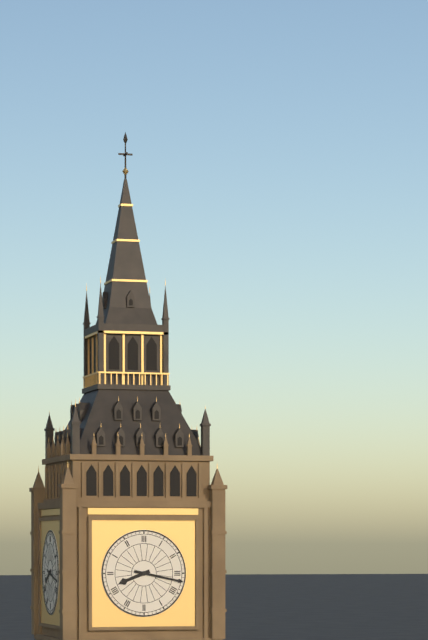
8:17
